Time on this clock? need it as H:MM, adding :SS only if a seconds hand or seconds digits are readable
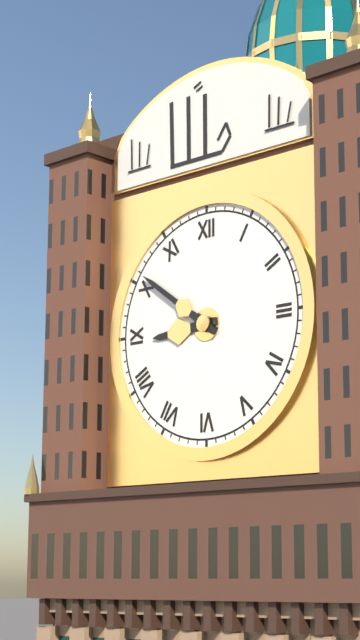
8:51
